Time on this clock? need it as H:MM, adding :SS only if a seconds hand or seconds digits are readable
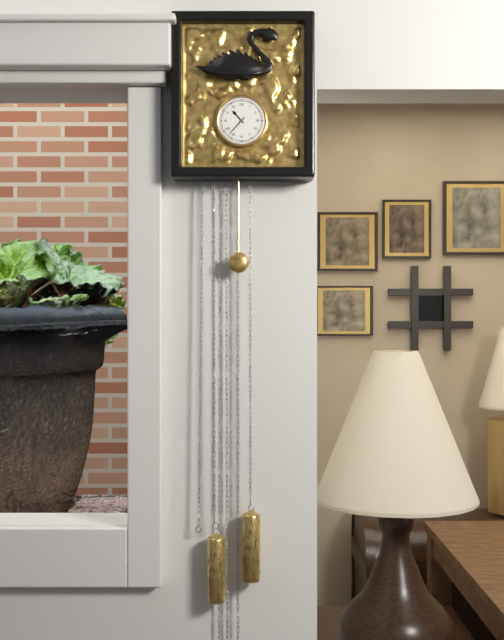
10:37
